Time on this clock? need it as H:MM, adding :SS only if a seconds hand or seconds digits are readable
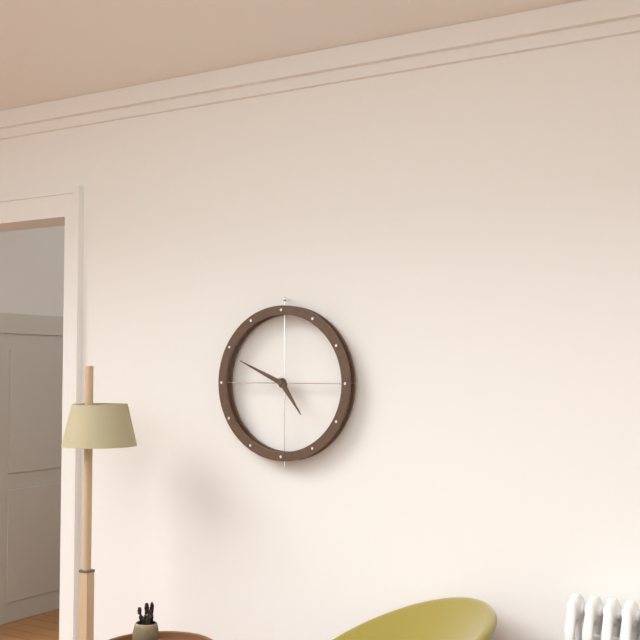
4:49
